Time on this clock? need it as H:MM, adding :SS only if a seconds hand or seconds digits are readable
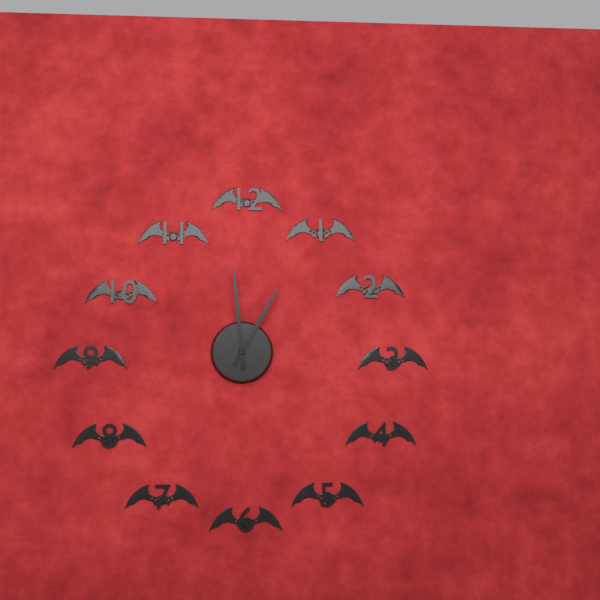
12:59
